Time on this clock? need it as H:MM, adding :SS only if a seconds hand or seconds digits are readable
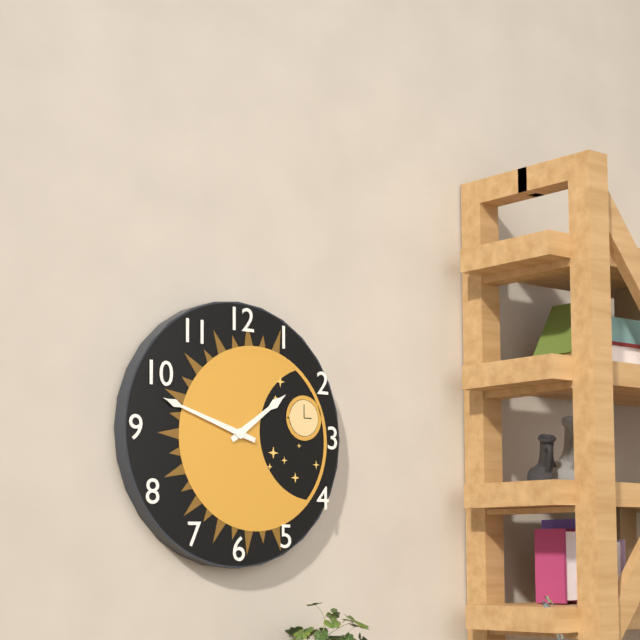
1:48
